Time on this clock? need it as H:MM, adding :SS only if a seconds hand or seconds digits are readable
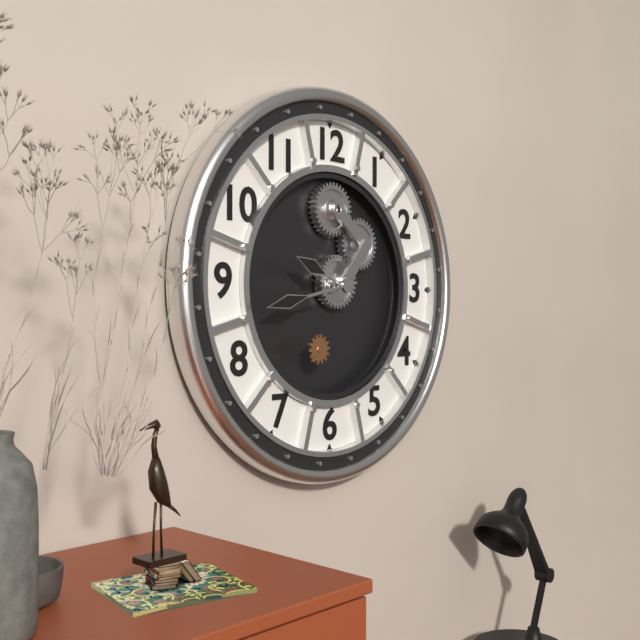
9:43
